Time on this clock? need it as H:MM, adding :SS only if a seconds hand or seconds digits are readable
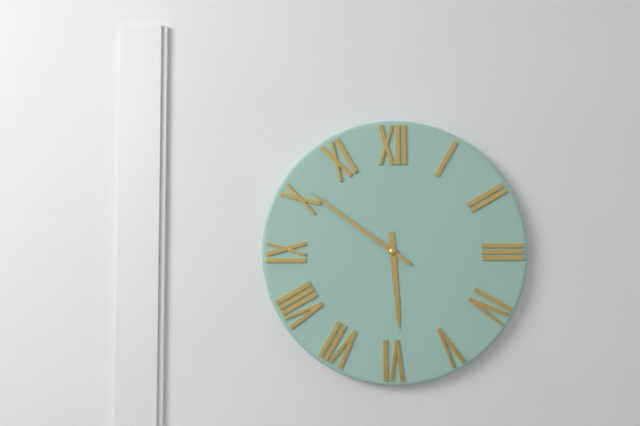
5:51
